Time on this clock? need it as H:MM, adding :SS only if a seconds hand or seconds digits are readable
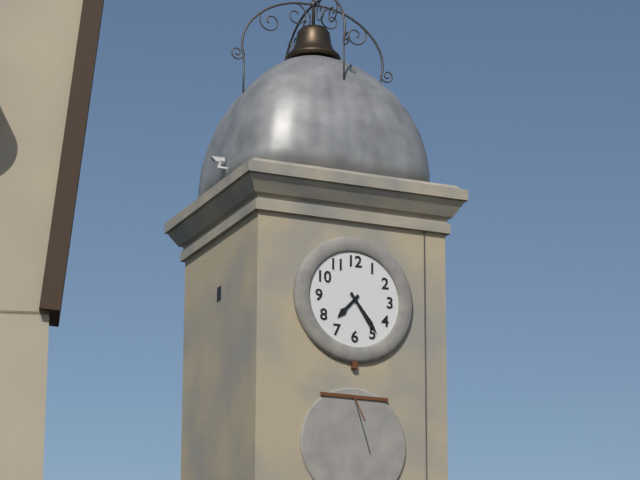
7:24
